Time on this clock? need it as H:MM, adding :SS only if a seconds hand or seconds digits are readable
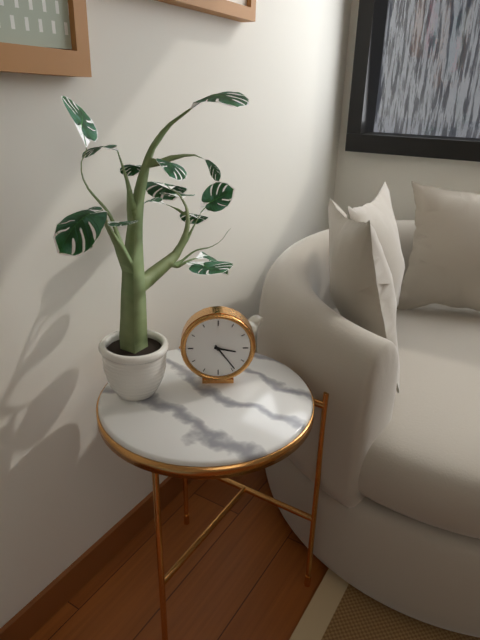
3:24
